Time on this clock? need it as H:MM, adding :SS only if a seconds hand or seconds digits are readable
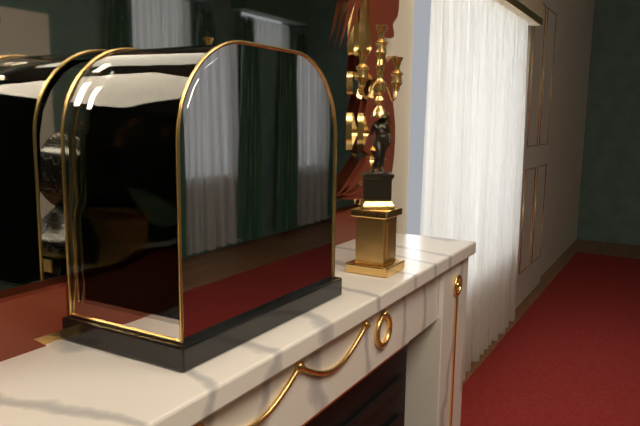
4:01
